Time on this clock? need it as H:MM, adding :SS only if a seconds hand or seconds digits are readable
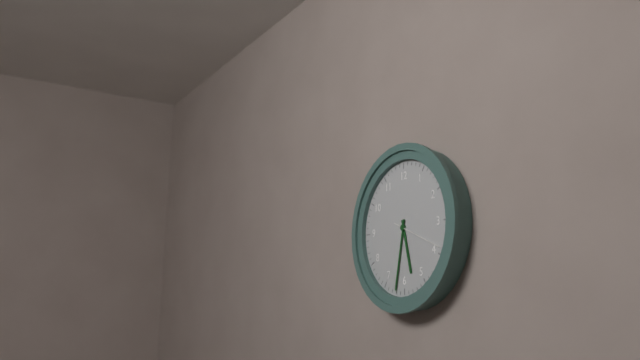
5:32
